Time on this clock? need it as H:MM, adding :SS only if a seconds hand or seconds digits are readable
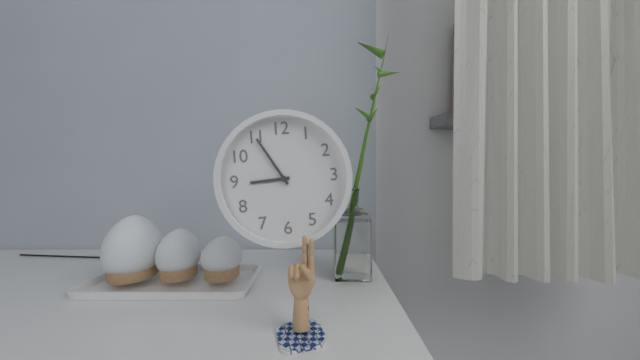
8:55
